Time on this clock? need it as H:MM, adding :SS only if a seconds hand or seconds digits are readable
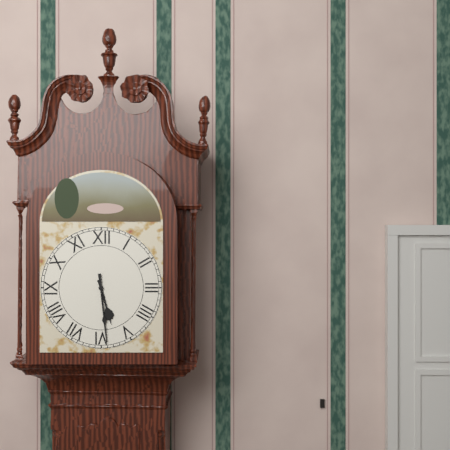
5:29
